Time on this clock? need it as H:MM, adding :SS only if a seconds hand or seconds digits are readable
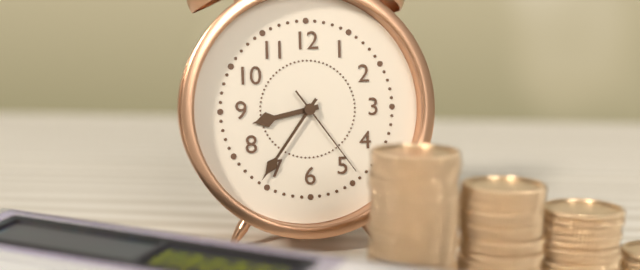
8:36:24
